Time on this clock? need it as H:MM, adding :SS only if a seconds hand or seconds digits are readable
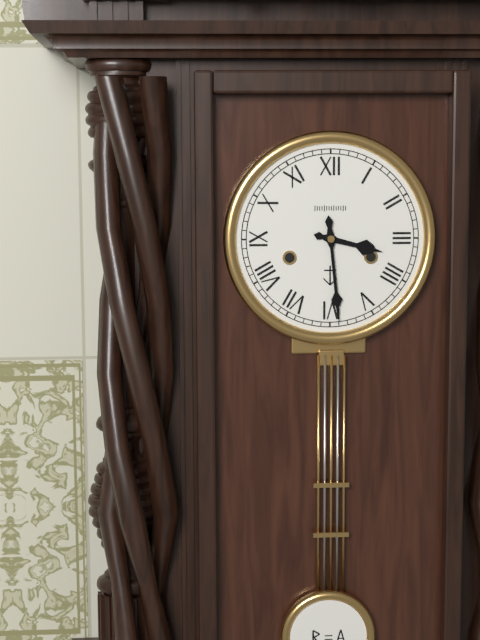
3:29
